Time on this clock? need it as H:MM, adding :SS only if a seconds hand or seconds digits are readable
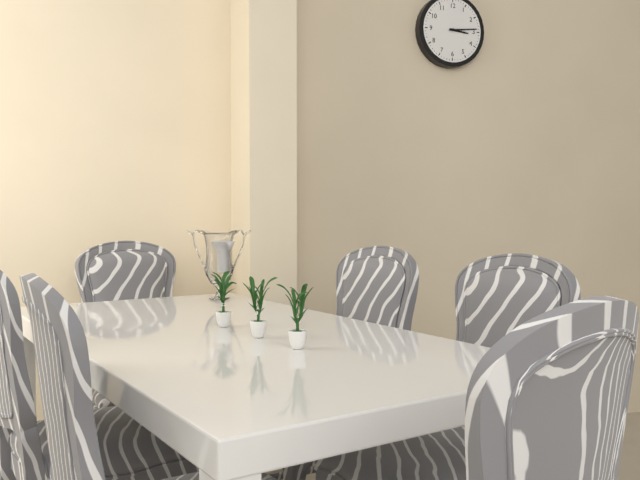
3:14
